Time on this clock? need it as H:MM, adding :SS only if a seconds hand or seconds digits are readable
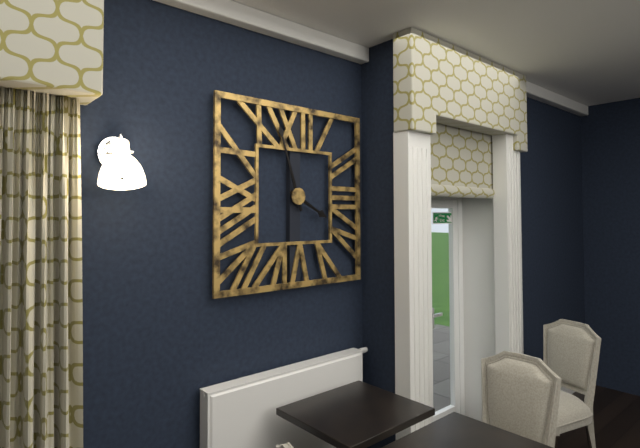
3:57
